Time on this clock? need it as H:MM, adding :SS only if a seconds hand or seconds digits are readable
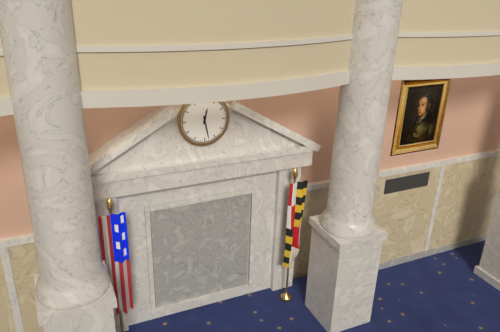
12:28
